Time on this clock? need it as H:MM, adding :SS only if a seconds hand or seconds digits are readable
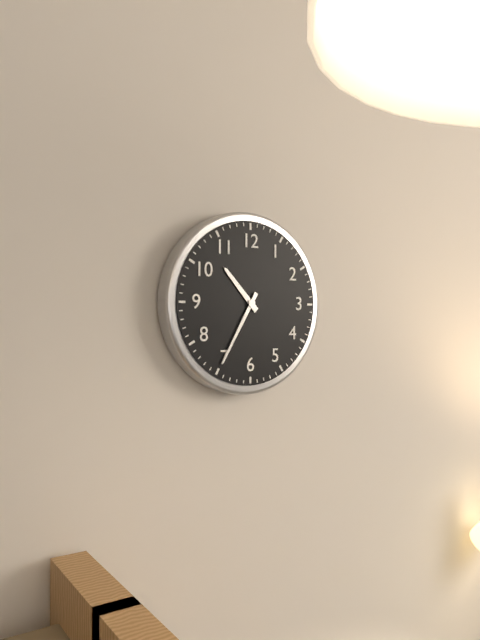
10:35
